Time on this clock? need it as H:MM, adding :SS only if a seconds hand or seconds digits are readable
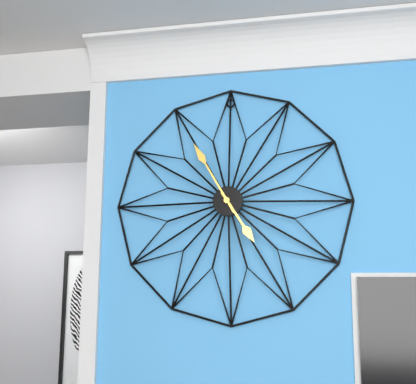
4:55
